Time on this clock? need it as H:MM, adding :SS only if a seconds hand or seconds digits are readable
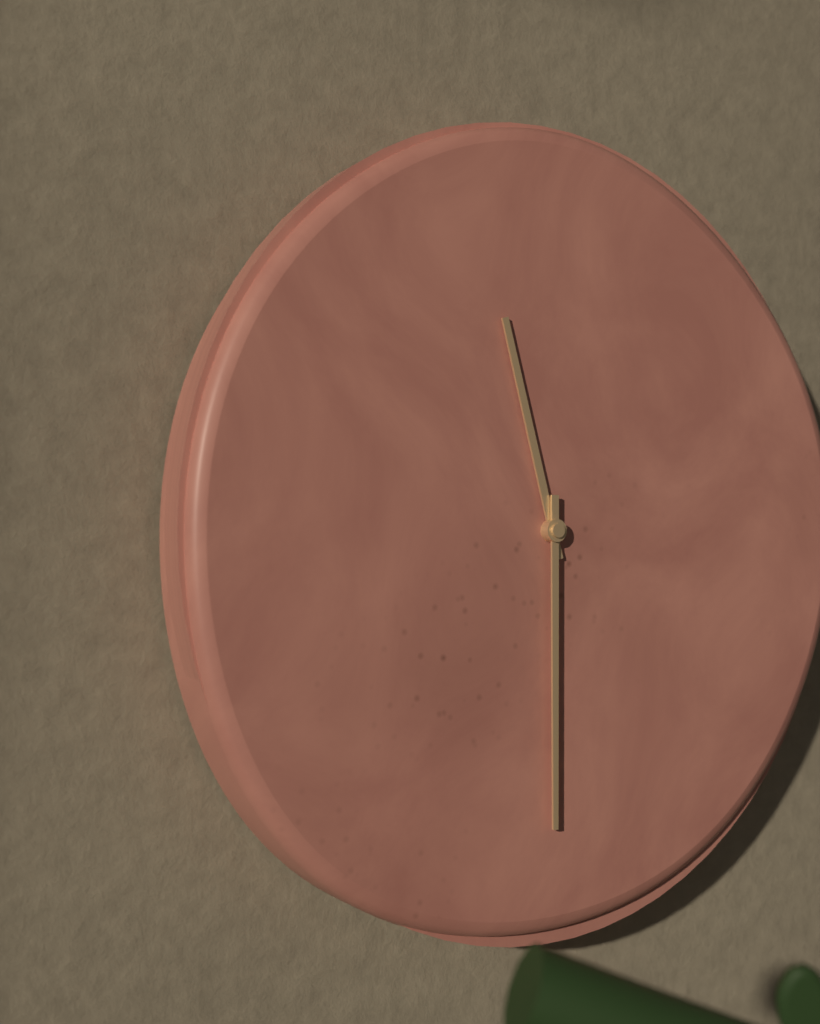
11:30
